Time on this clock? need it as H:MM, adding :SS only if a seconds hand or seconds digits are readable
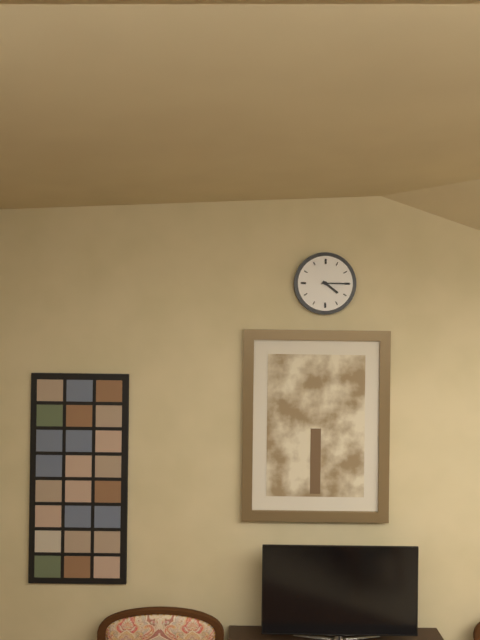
4:15
